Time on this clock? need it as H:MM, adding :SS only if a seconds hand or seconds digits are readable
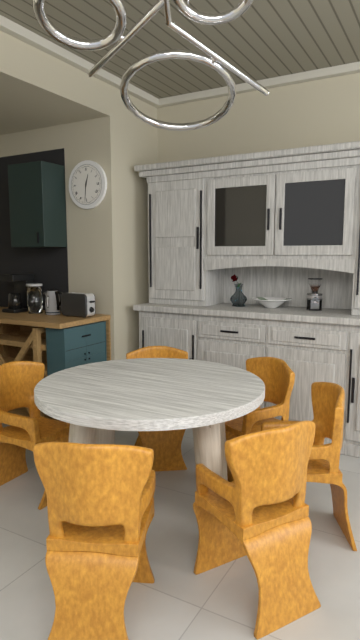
12:31
